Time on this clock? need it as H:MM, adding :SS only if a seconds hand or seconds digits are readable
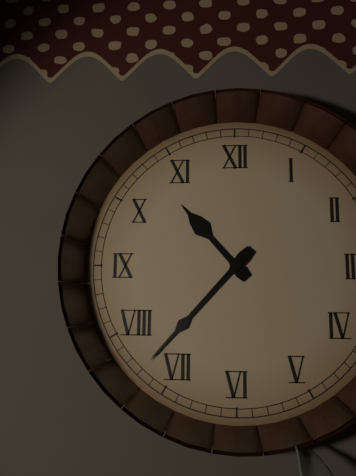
10:37
